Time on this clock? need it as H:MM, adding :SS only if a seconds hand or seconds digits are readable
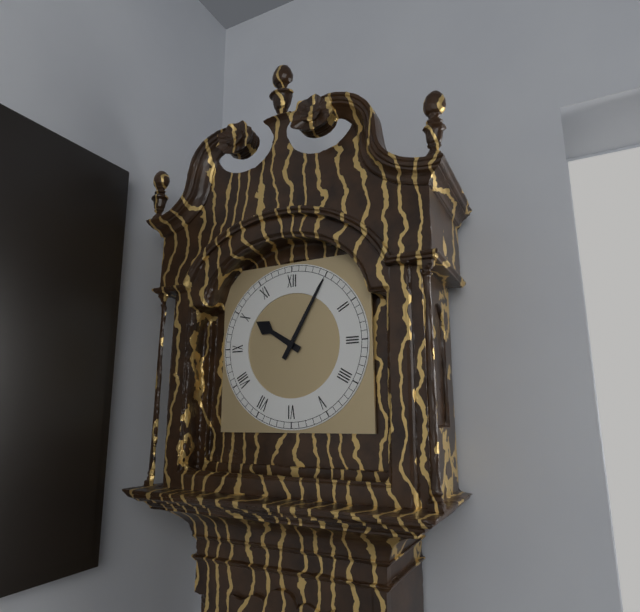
10:05
